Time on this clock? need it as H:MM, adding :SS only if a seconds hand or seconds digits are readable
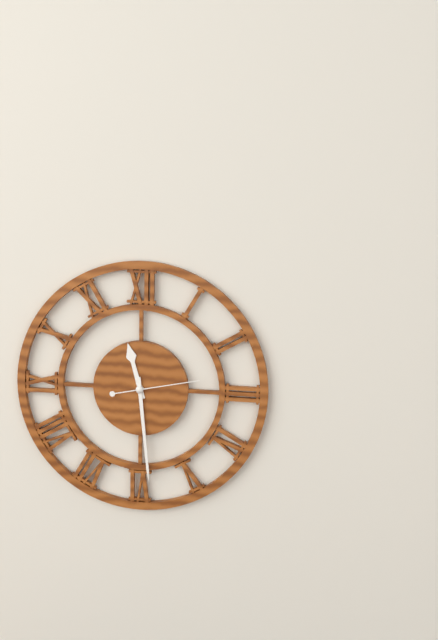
11:29:13
